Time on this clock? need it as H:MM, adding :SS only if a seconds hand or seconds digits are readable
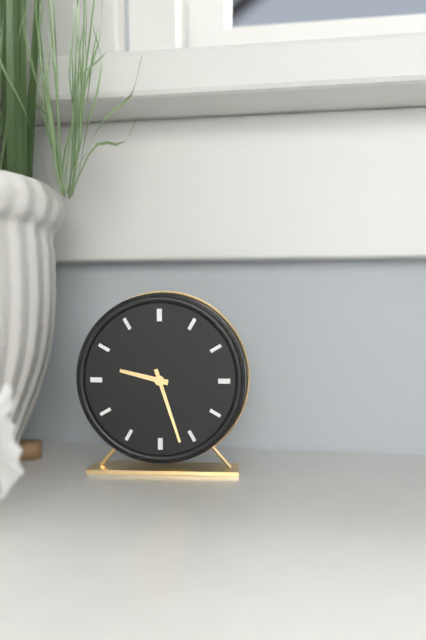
9:27
